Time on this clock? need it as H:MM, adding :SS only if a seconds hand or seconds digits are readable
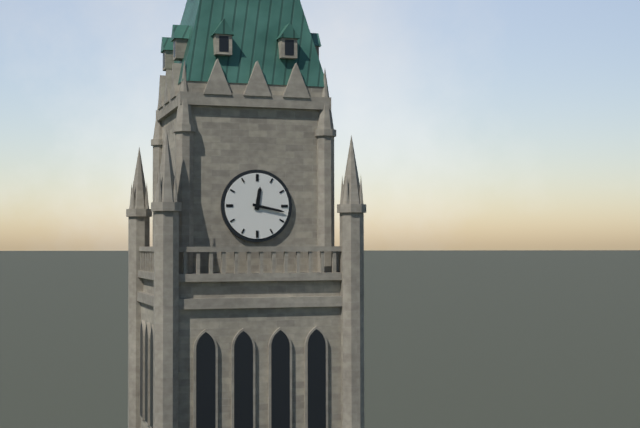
12:17
